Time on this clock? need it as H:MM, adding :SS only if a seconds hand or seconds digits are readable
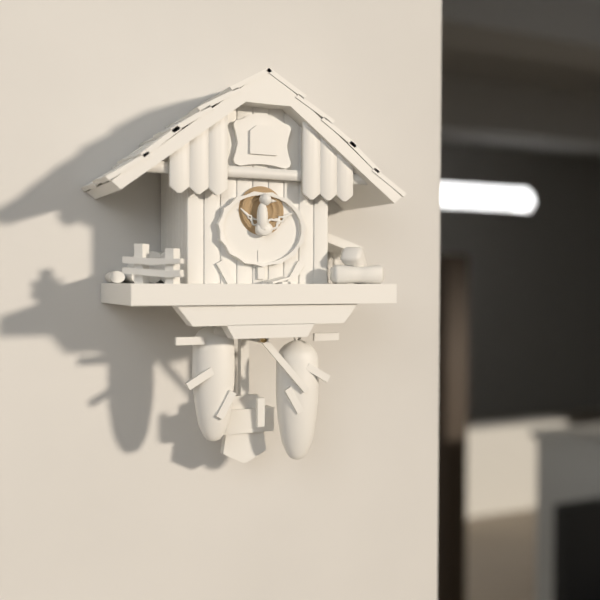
9:23
